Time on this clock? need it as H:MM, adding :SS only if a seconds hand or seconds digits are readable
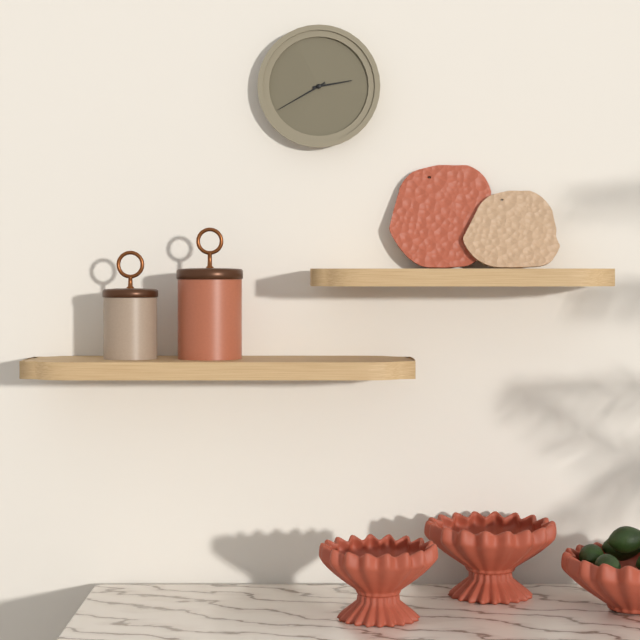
2:40
